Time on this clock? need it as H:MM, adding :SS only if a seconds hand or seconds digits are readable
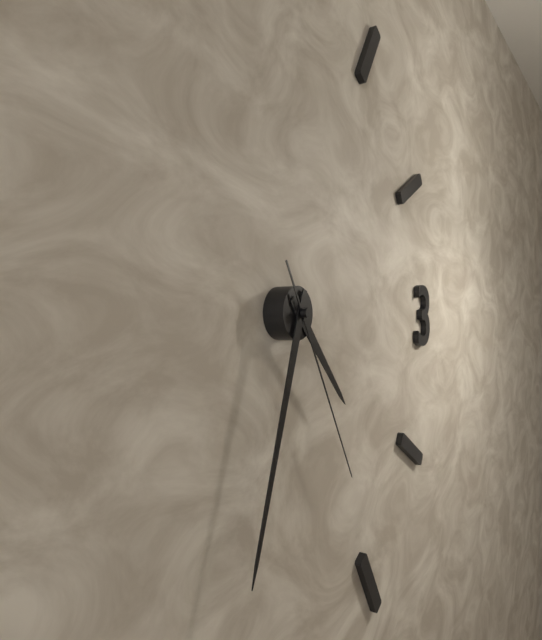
4:33:25
